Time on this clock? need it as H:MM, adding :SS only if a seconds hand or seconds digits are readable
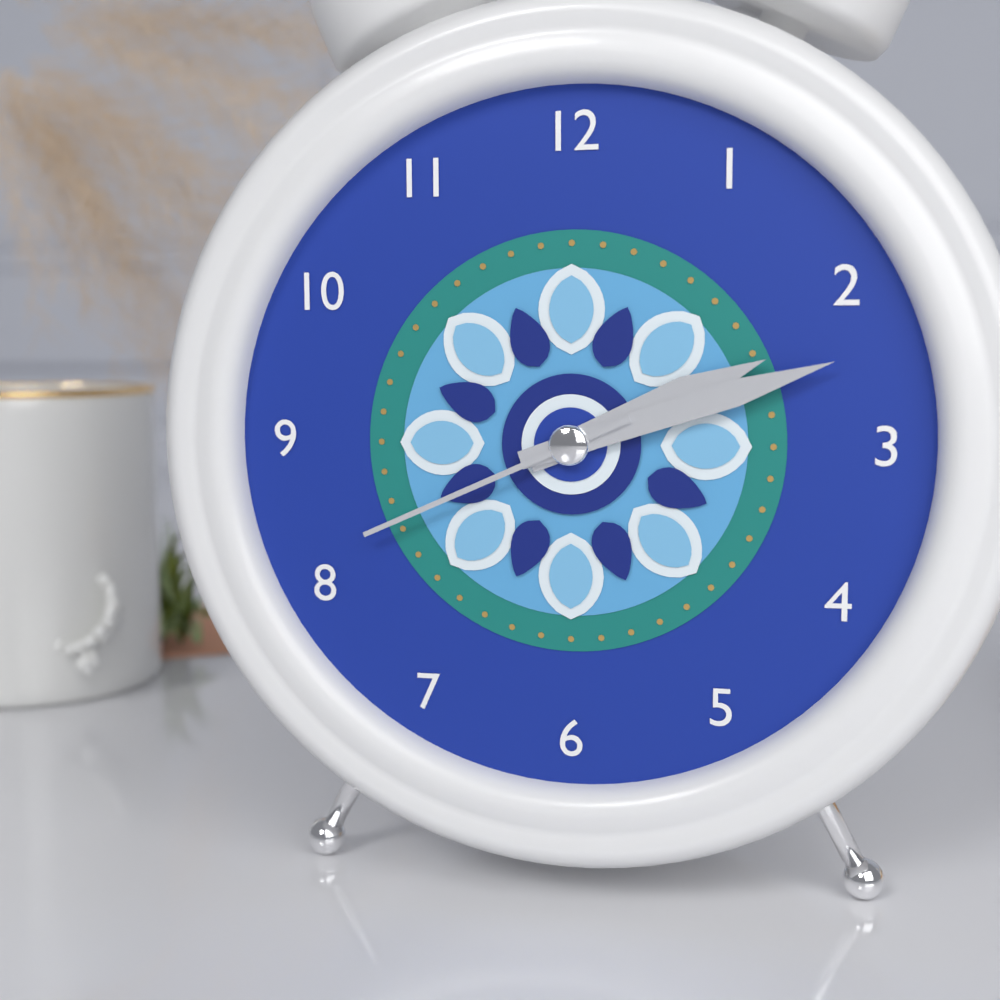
2:12:41
